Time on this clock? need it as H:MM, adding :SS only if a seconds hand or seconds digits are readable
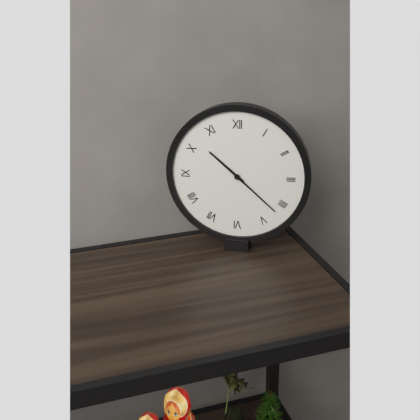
10:22
